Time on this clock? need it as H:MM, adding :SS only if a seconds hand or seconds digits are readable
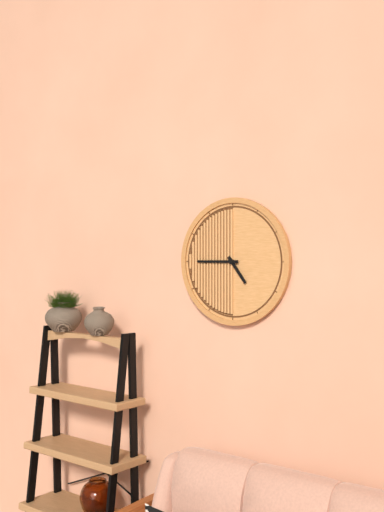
4:45
